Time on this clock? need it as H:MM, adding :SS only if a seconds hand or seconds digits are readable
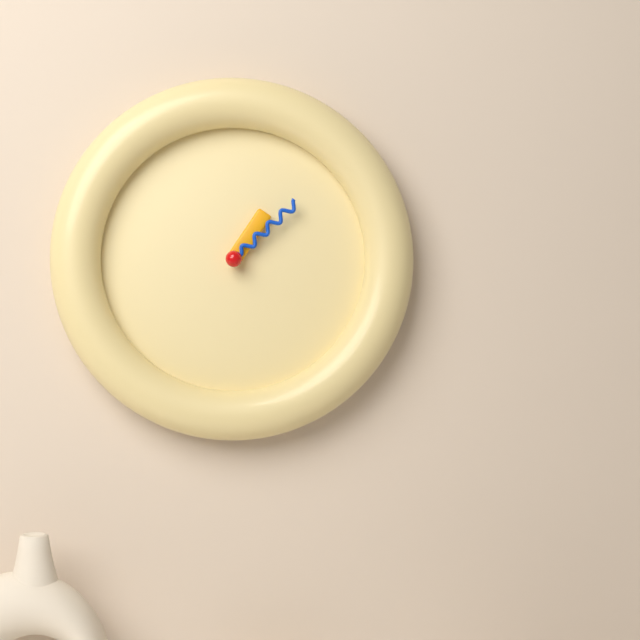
1:08
